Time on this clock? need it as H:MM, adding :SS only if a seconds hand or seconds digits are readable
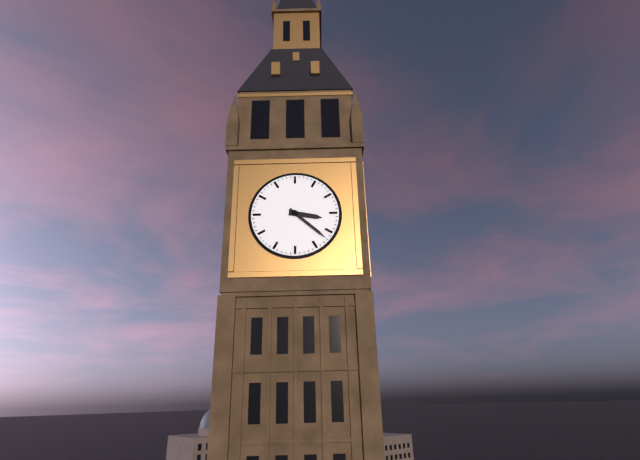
3:22
